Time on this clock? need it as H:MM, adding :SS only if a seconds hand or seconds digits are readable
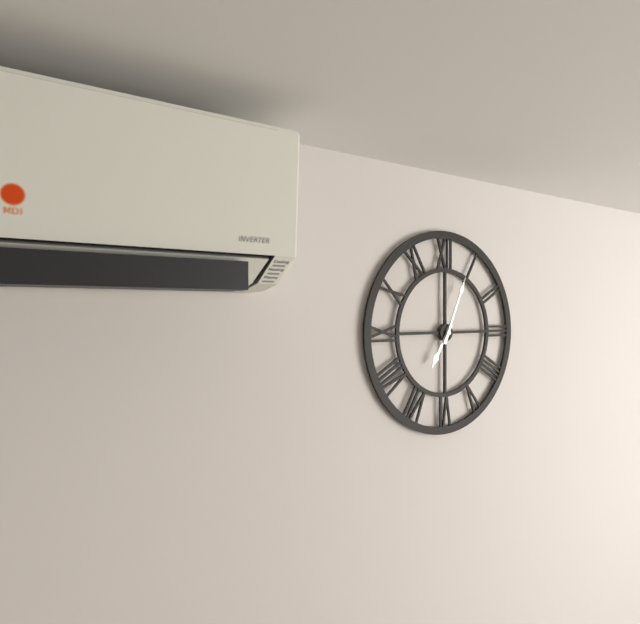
7:04
